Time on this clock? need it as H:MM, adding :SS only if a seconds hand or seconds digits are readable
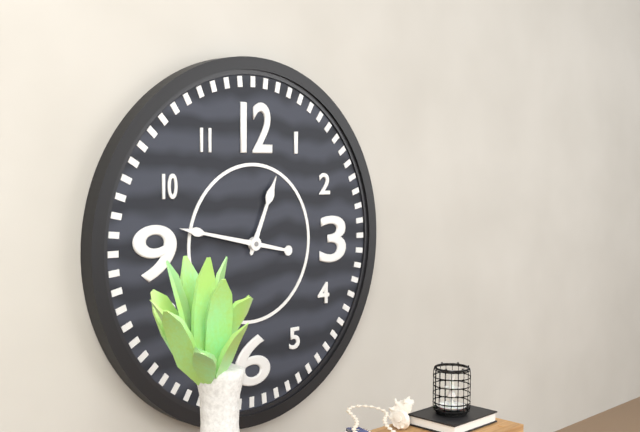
12:47
